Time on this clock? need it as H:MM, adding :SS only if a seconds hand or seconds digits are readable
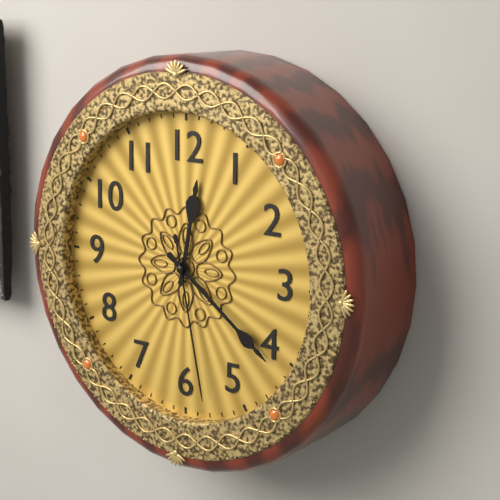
12:21:28
